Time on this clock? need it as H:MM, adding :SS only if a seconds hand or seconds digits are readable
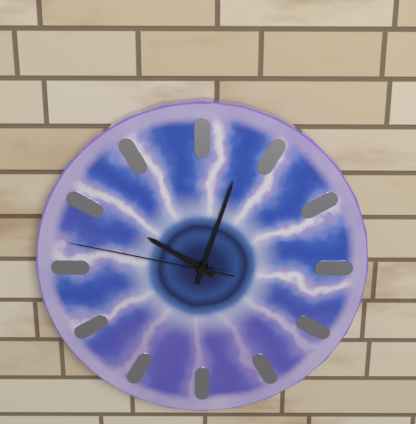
10:03:47
